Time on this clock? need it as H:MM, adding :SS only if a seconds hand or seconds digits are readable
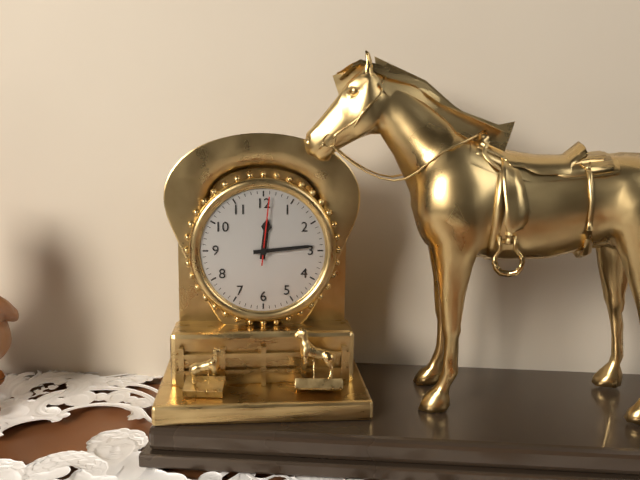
12:14:01
